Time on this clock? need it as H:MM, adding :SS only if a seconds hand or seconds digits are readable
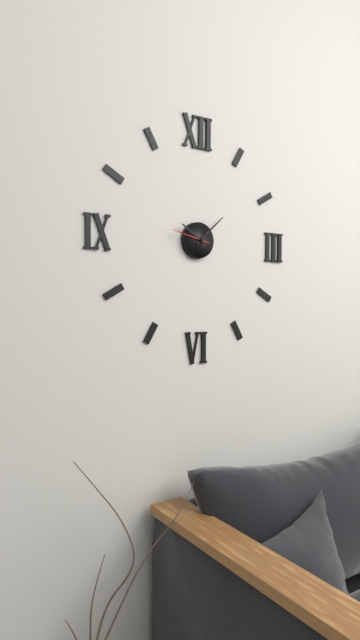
10:08
